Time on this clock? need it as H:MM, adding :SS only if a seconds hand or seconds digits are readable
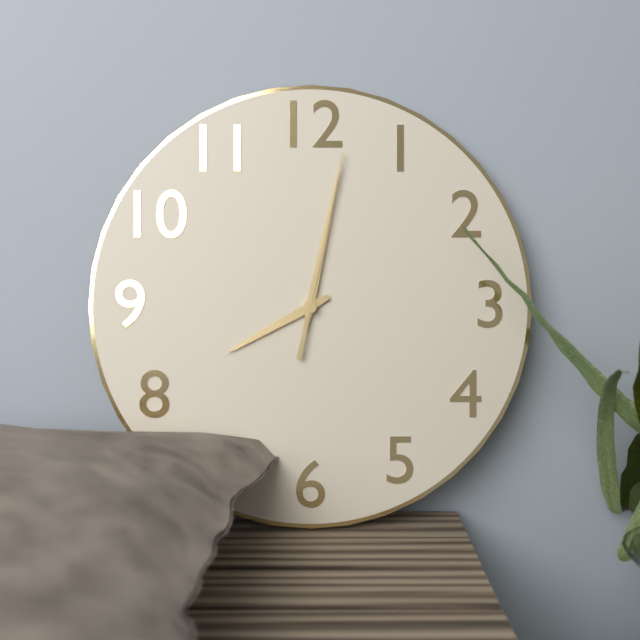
8:02:02
